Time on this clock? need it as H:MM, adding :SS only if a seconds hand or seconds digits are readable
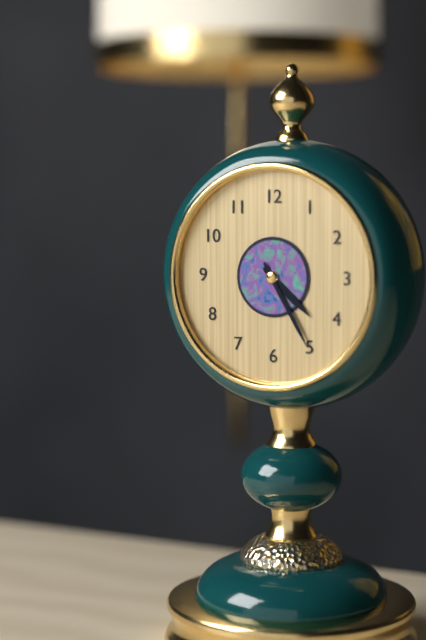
4:25
